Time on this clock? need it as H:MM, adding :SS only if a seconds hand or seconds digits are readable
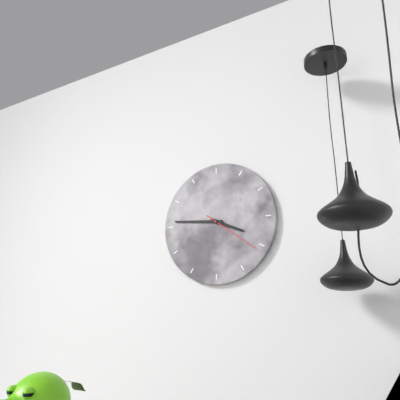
3:46:21
